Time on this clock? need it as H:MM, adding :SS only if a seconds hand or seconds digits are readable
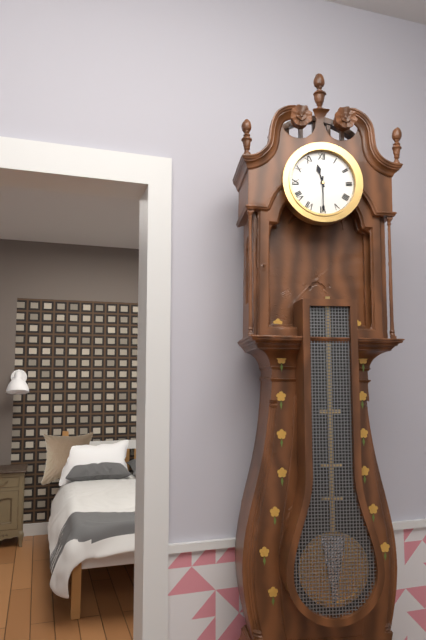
11:30
